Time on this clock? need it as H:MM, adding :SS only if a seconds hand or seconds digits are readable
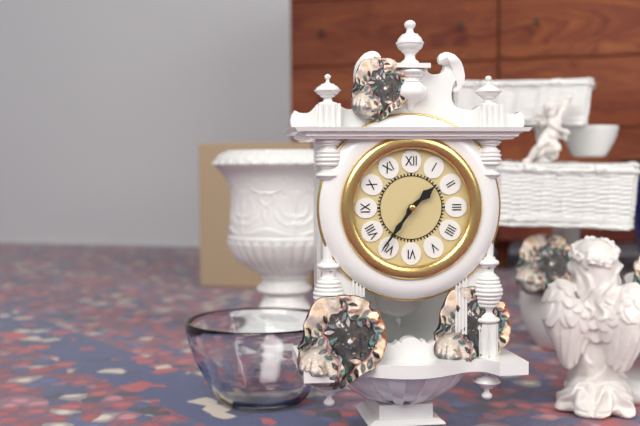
1:36
